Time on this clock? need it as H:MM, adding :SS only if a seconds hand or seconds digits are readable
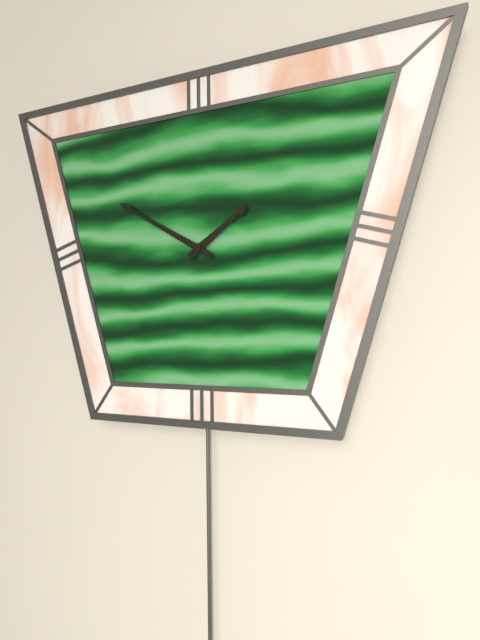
1:50
